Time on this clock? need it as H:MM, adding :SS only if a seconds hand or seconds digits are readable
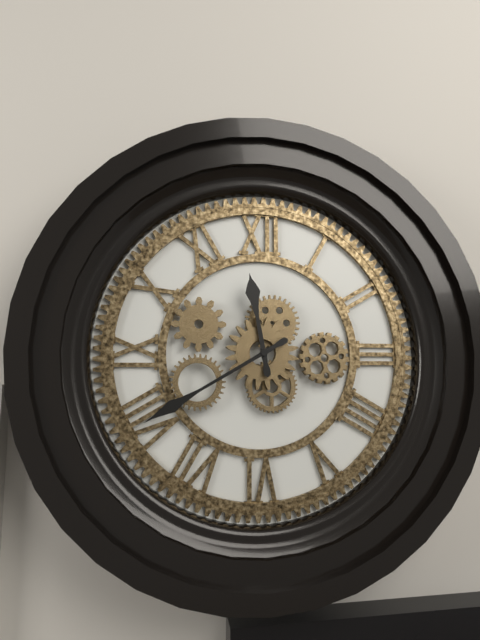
11:40
